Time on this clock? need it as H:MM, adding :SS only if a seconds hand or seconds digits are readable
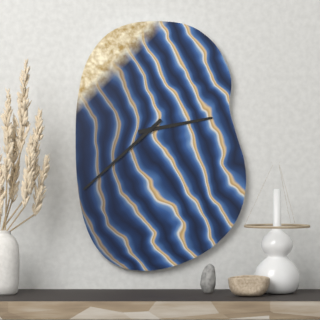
2:38
